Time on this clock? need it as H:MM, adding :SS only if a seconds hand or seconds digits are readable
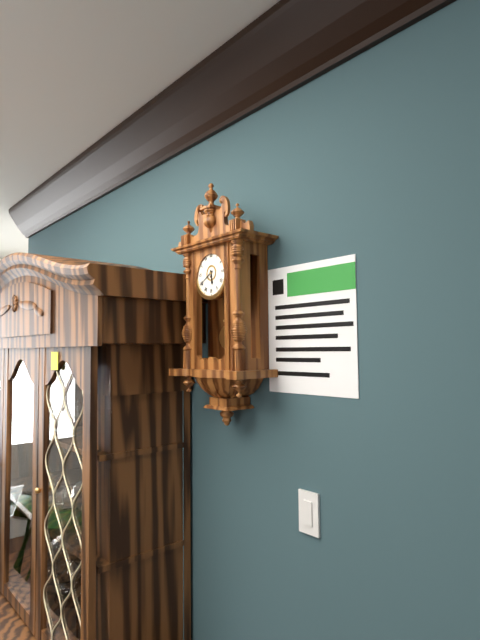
5:40
